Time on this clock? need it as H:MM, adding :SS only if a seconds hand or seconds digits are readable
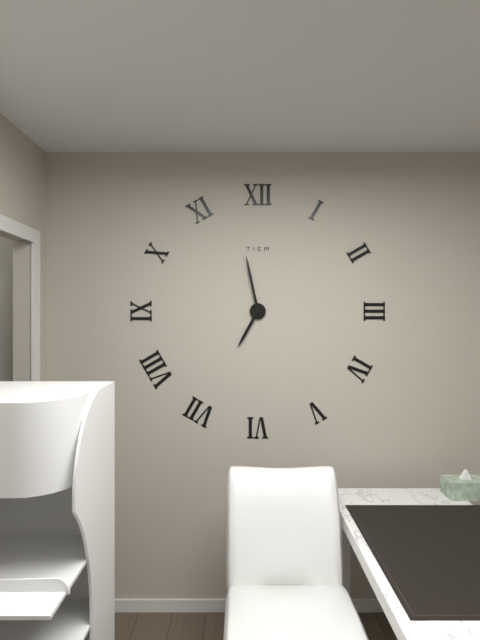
6:58
